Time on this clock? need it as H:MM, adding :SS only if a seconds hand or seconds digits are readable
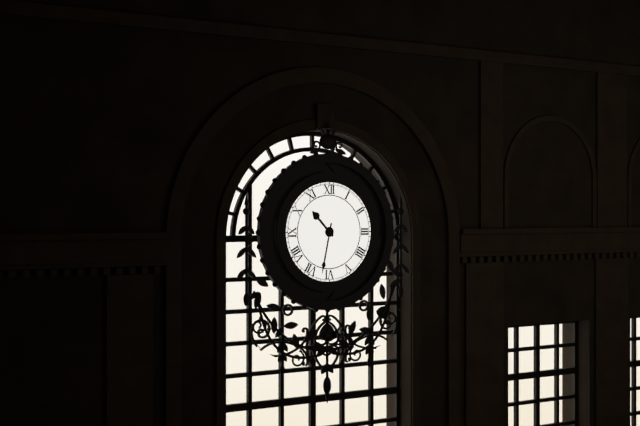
10:32
